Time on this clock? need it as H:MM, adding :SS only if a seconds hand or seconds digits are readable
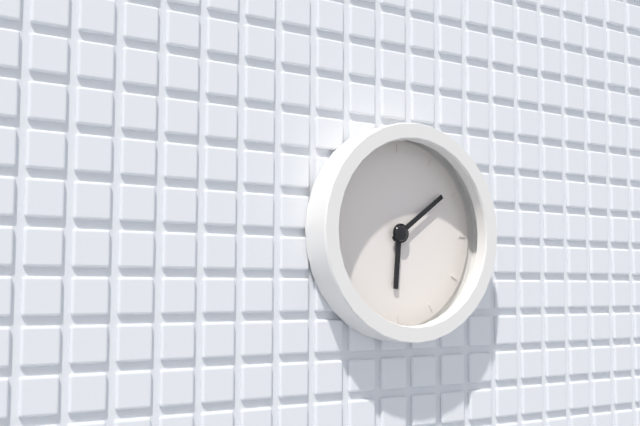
6:09
